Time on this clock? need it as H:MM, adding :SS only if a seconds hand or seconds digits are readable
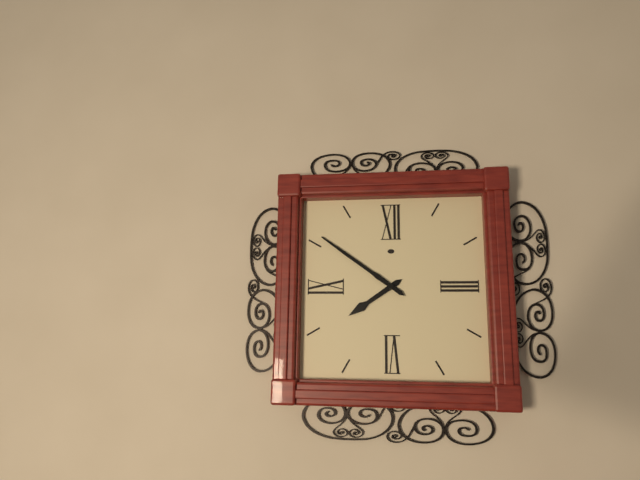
7:51
